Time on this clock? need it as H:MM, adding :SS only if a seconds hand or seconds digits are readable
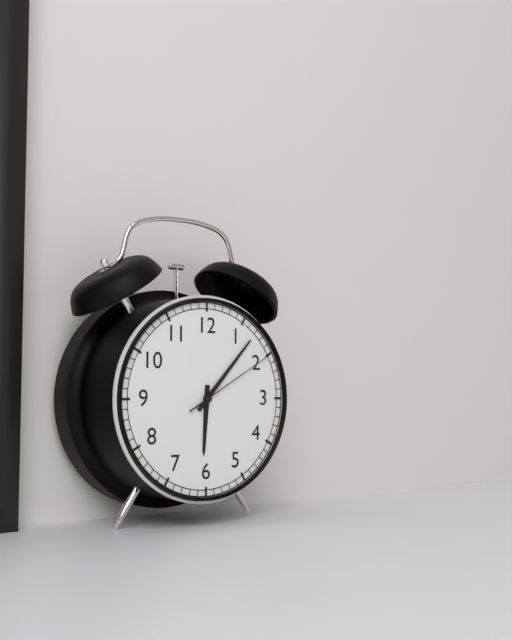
6:07:10
